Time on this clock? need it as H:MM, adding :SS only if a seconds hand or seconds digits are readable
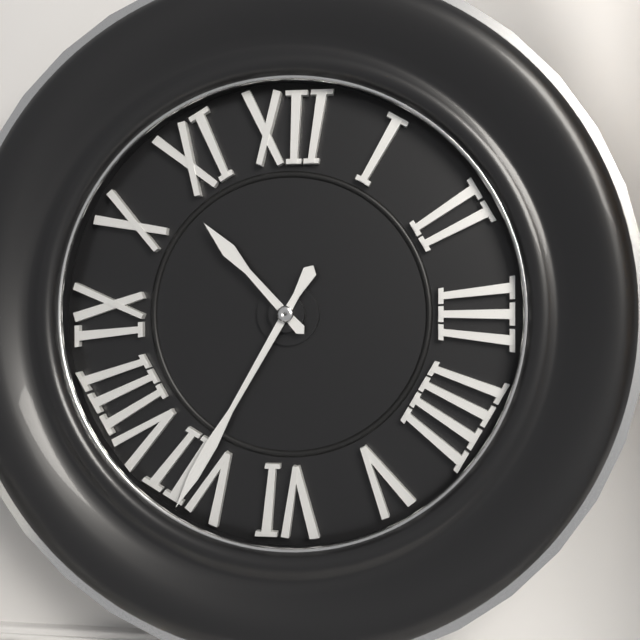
10:35
